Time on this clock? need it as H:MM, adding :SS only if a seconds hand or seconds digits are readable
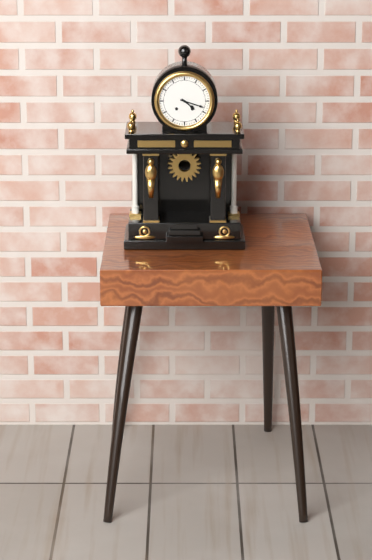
4:18
